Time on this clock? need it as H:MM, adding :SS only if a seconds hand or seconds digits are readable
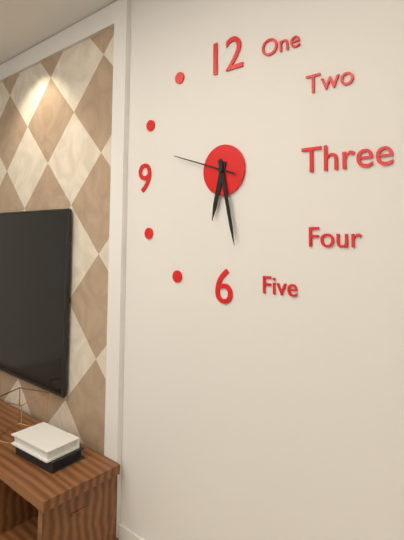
6:28:48
